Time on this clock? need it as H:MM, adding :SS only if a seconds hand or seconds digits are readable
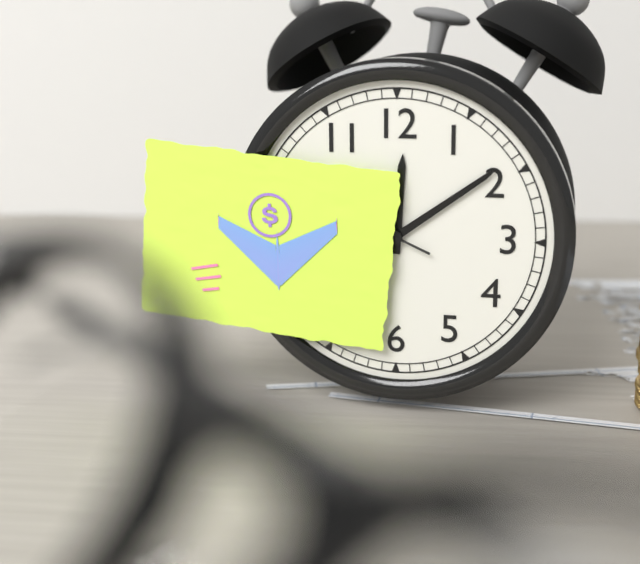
12:09
